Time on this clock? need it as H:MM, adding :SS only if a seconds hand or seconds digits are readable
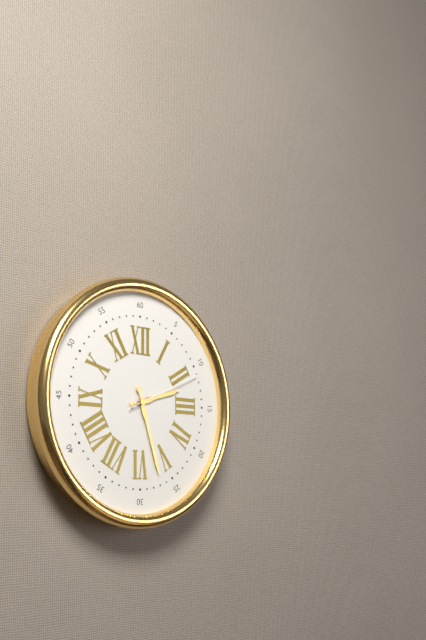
2:27:11
